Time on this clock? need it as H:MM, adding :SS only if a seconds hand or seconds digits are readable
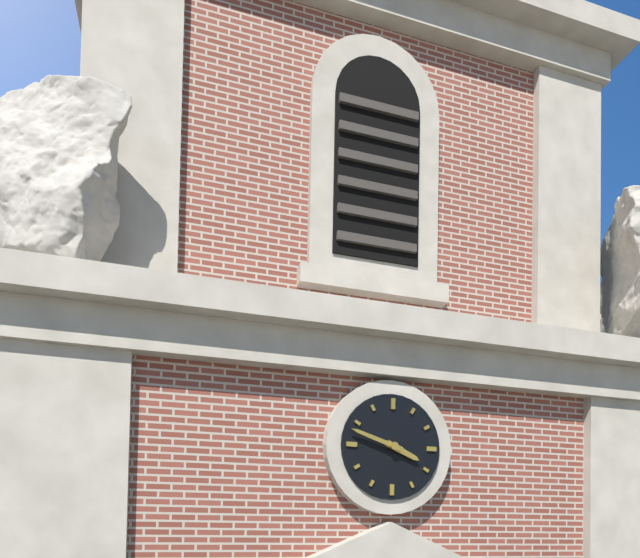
3:48
